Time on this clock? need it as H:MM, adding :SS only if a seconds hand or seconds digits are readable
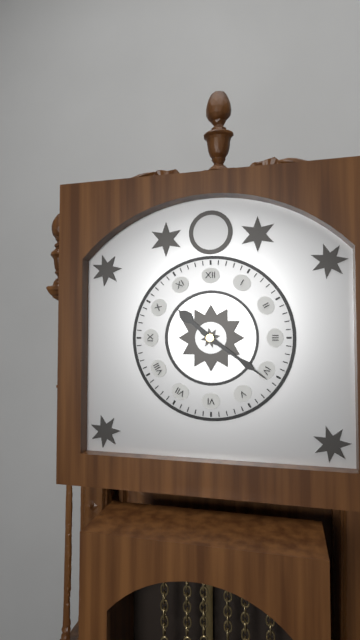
10:21
